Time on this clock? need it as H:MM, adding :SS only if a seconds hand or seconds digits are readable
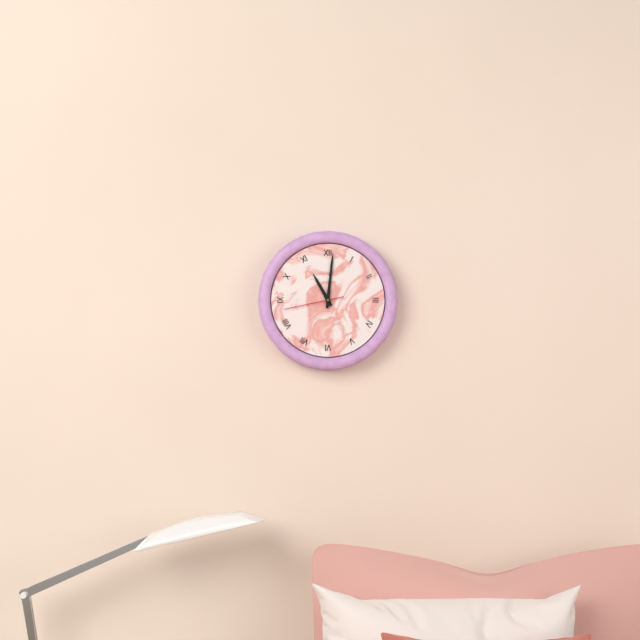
11:01:43
